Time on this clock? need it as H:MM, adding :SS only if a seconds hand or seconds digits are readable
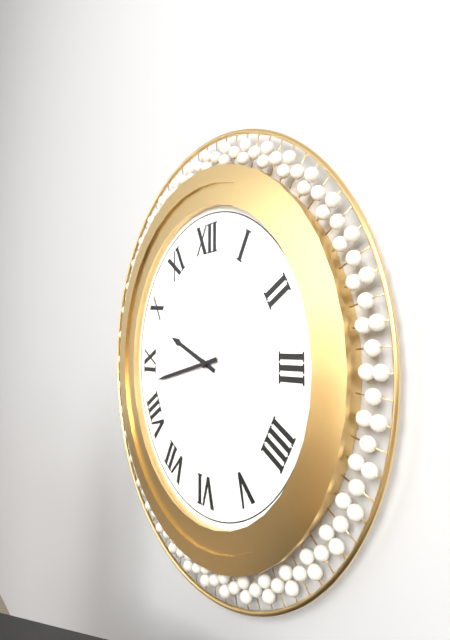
9:43
